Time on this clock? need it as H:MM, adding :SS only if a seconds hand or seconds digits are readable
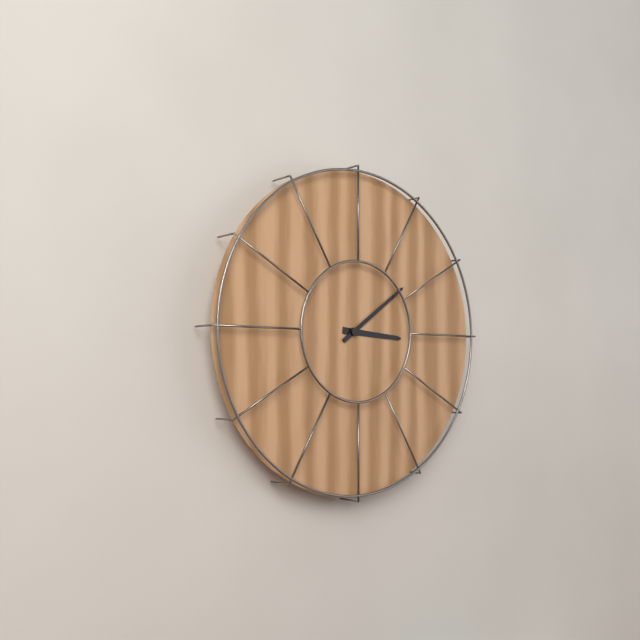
3:09
